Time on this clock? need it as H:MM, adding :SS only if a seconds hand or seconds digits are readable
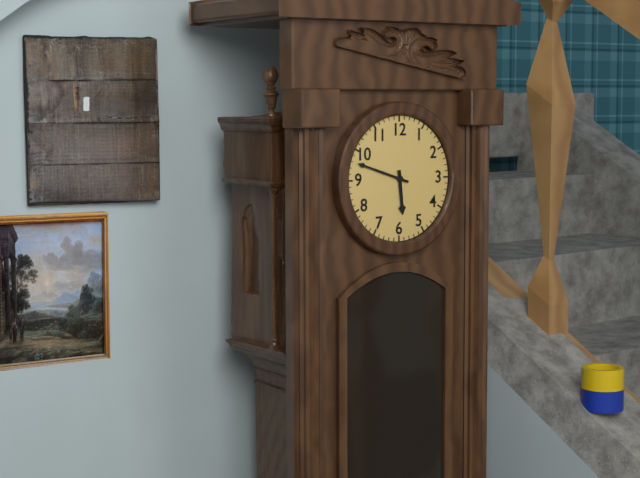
5:48
